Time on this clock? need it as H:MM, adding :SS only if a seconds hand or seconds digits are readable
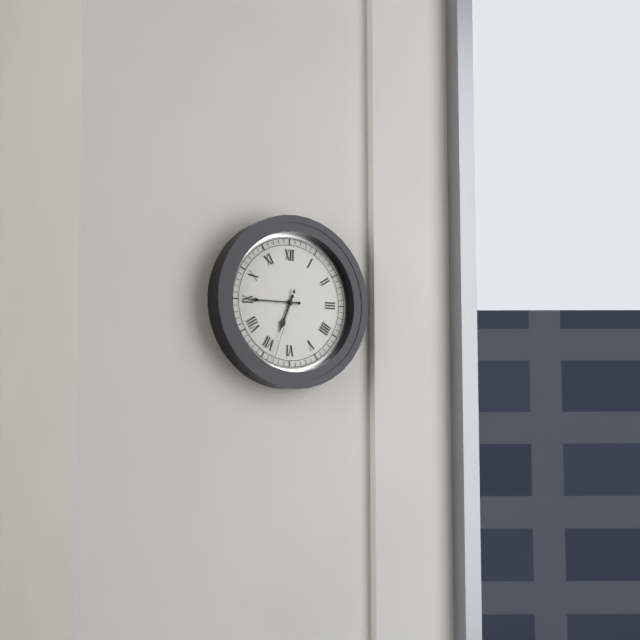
6:45:33
